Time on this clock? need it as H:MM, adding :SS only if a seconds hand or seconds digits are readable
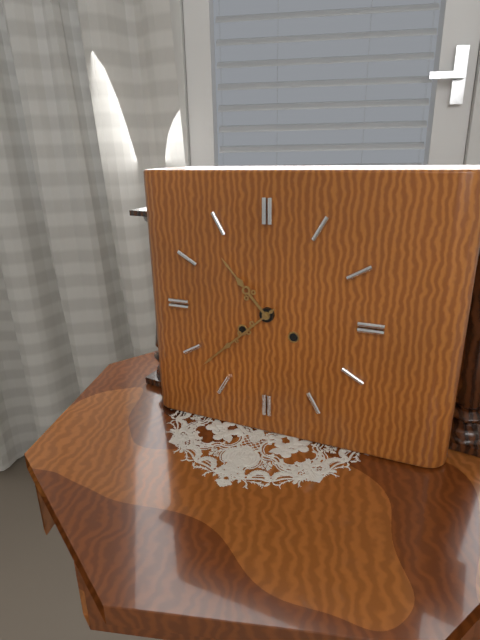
10:38
